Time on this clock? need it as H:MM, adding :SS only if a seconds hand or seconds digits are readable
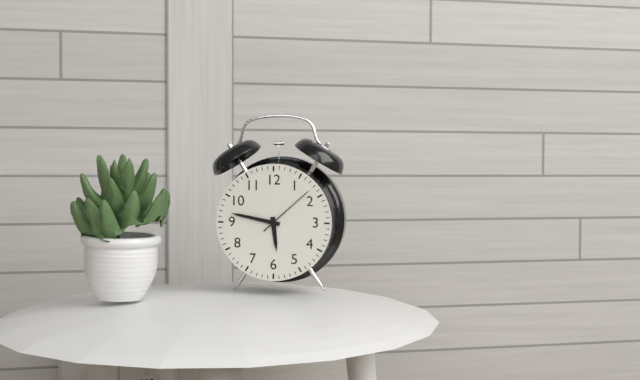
5:47:08
